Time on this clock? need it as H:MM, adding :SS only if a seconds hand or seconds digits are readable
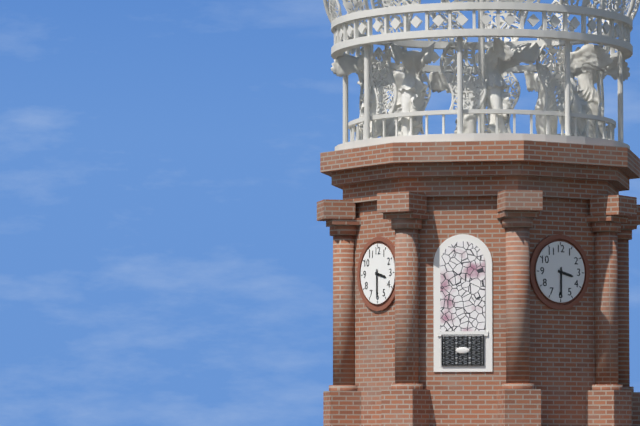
3:30
